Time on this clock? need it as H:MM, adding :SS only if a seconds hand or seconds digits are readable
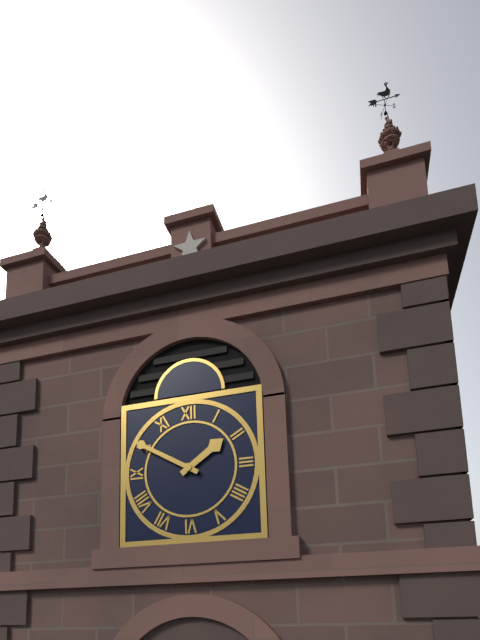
1:50
